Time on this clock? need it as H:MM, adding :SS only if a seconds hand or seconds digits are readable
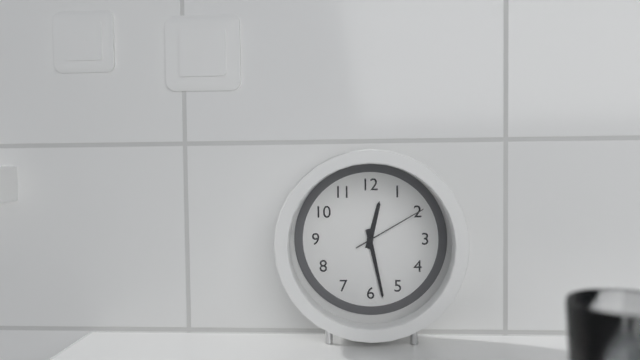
12:28:10
